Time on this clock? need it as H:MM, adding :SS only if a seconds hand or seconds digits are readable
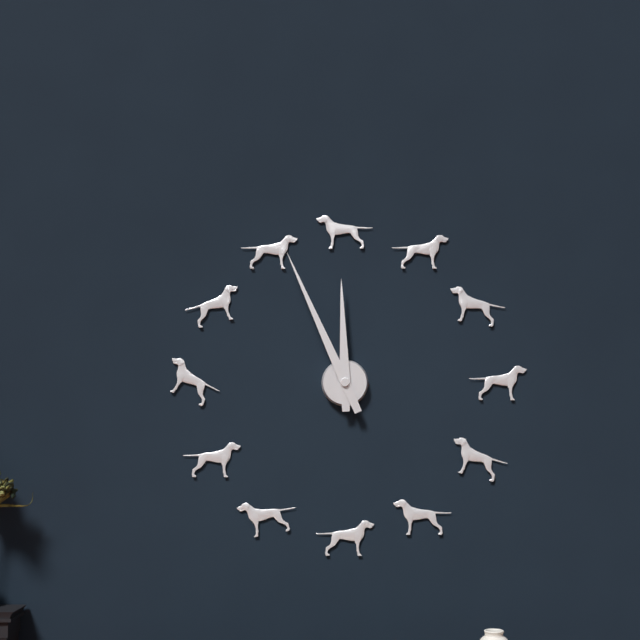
11:56
